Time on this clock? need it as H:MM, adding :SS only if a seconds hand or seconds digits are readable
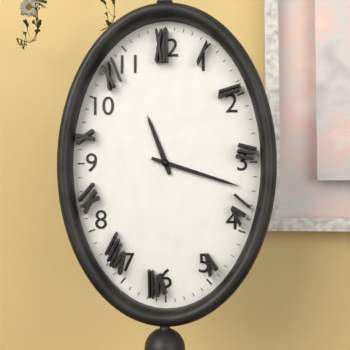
11:18
